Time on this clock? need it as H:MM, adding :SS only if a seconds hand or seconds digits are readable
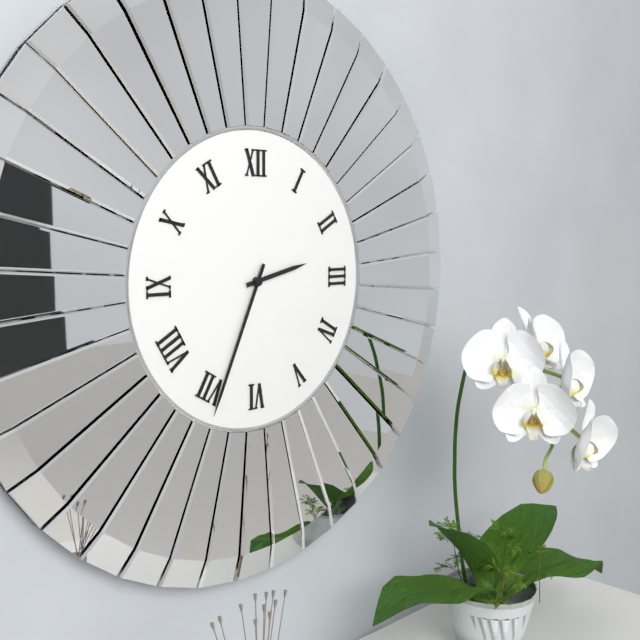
2:34
